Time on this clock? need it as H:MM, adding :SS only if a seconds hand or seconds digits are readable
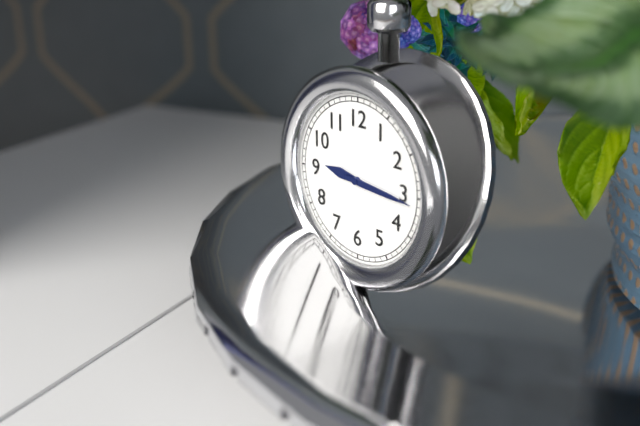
9:16
